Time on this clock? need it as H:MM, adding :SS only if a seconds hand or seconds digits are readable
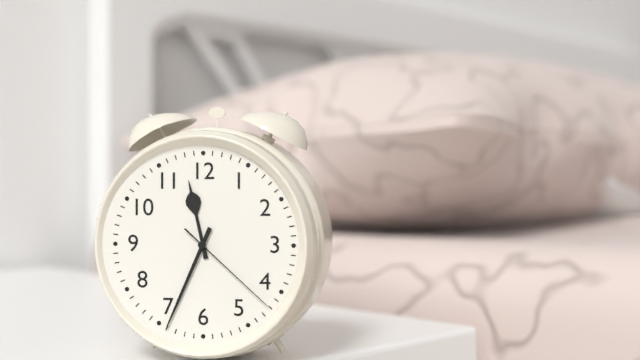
11:34:22
